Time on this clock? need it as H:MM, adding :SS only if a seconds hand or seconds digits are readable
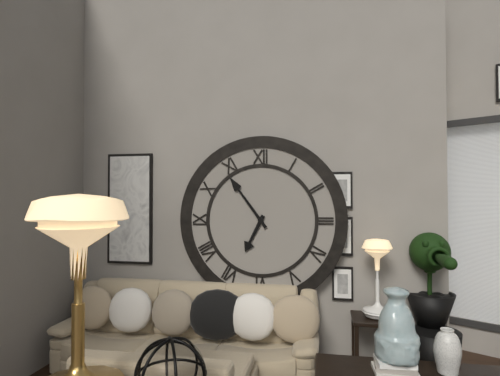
6:54
